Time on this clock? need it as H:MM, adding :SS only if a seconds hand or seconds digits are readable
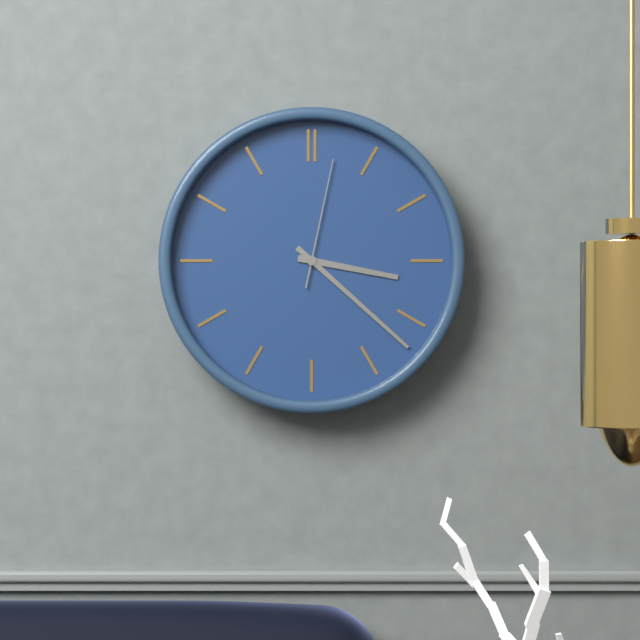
3:22:02
